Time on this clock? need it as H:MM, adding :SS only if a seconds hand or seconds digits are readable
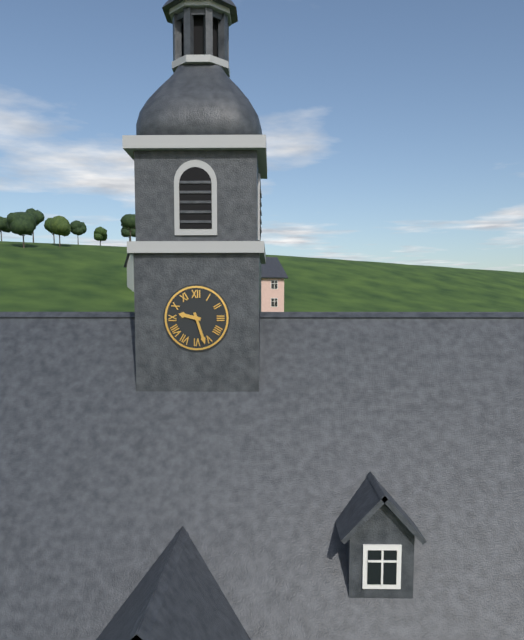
9:27
